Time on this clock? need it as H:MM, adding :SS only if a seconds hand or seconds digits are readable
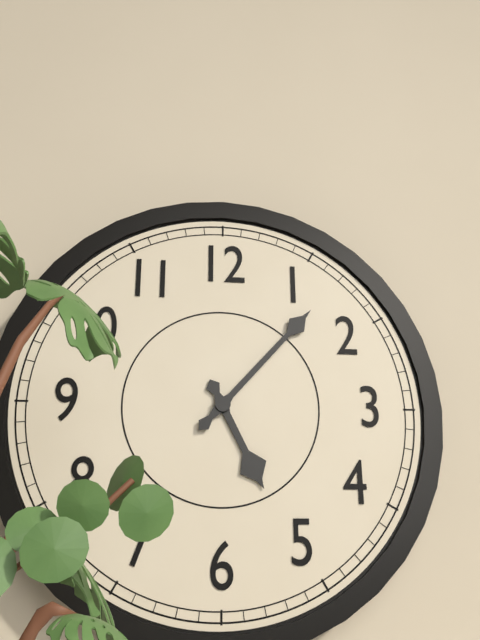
5:07
